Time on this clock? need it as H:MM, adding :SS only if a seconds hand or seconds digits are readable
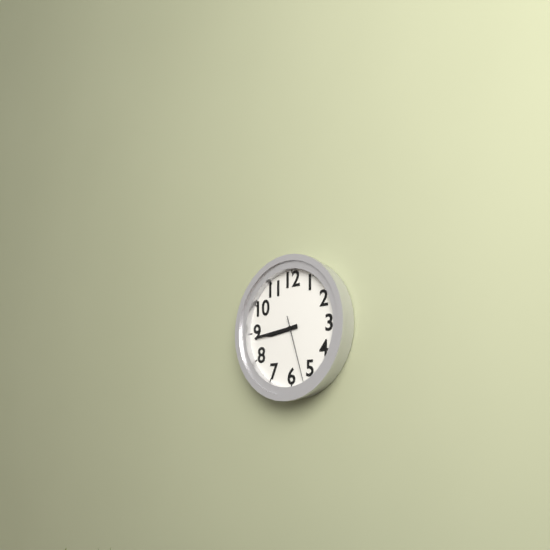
8:44:27
